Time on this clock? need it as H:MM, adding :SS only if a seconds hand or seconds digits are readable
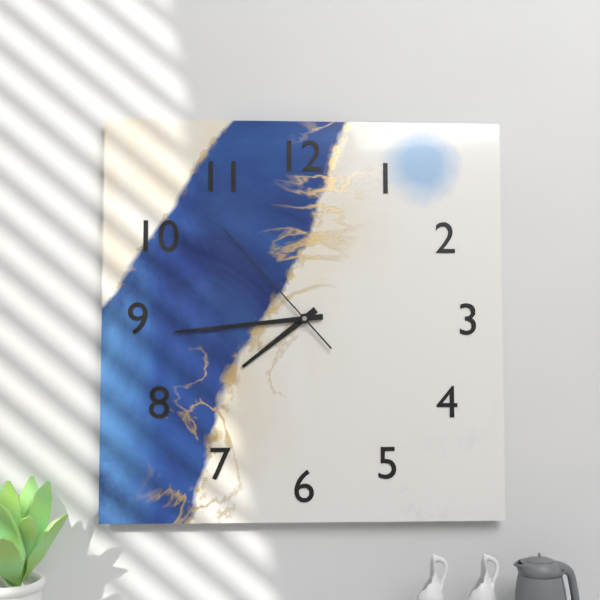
7:44:53
